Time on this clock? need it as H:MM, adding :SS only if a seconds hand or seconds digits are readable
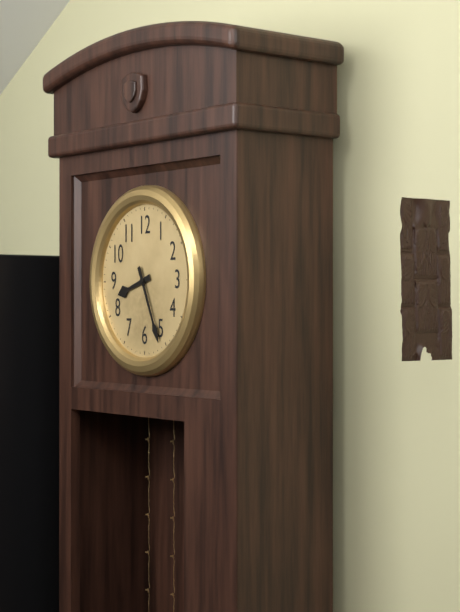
8:26
